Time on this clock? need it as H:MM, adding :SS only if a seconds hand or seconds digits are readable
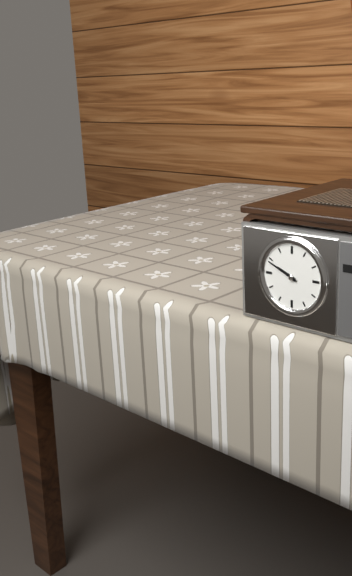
9:49
